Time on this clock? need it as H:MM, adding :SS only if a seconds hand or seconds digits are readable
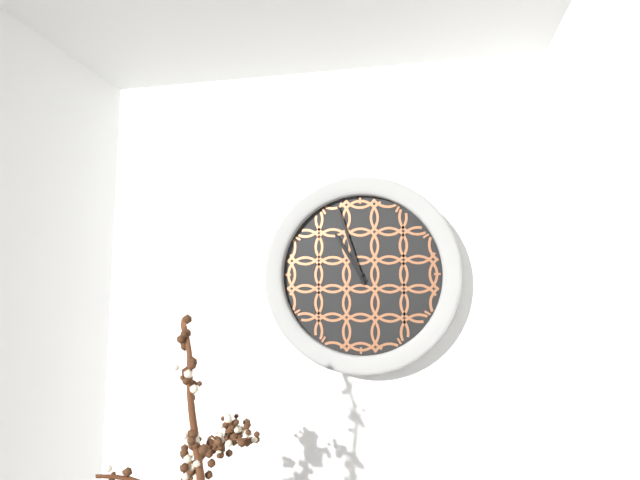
10:57
